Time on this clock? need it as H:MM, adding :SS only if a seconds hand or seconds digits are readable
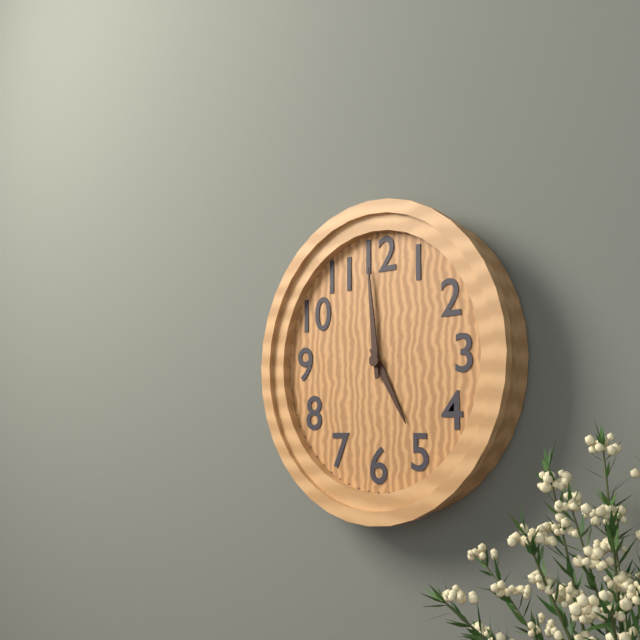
4:59
